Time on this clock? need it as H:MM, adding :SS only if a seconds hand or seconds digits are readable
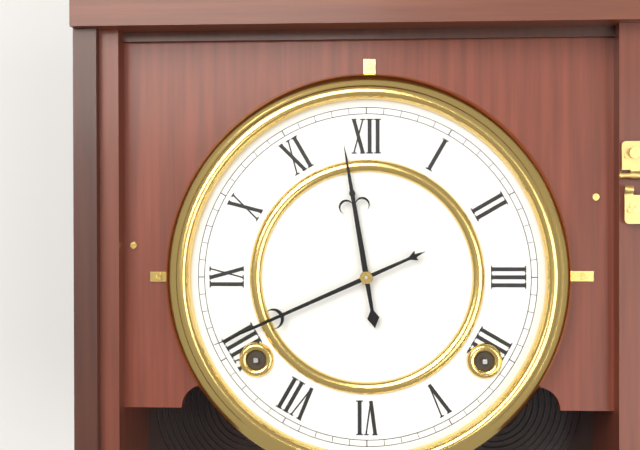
11:41
